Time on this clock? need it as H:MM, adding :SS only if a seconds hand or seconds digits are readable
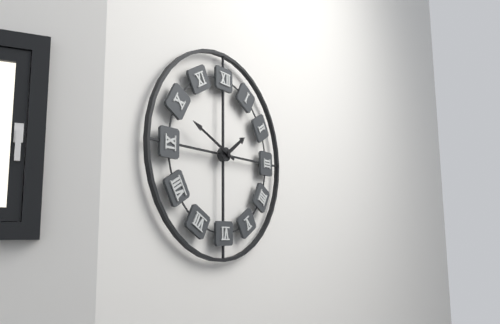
1:49
